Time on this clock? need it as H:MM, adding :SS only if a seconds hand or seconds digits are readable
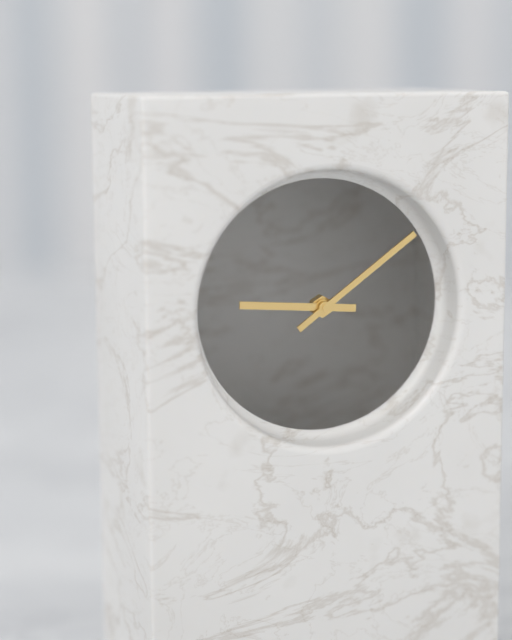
9:09
